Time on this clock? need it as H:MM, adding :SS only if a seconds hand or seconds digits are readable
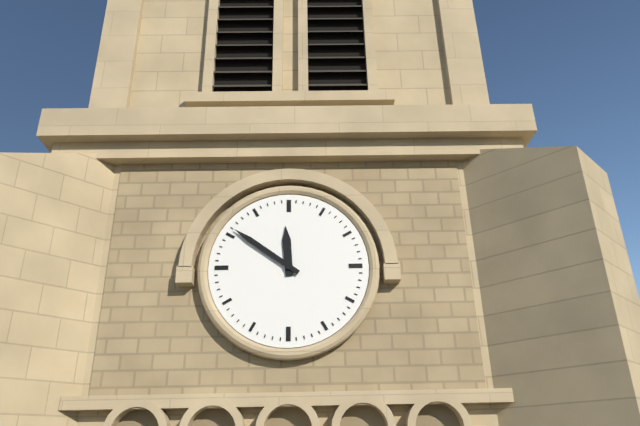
11:51
